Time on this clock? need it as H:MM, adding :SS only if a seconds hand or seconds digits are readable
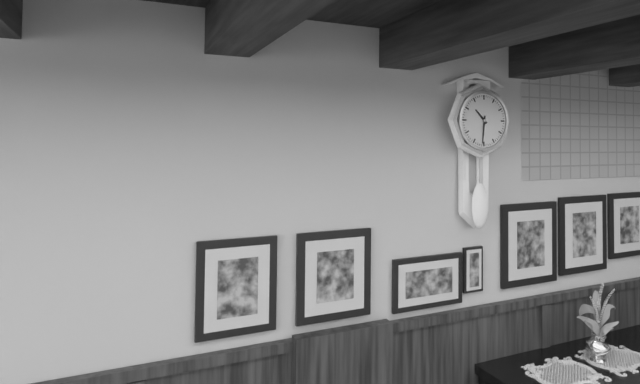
10:31
